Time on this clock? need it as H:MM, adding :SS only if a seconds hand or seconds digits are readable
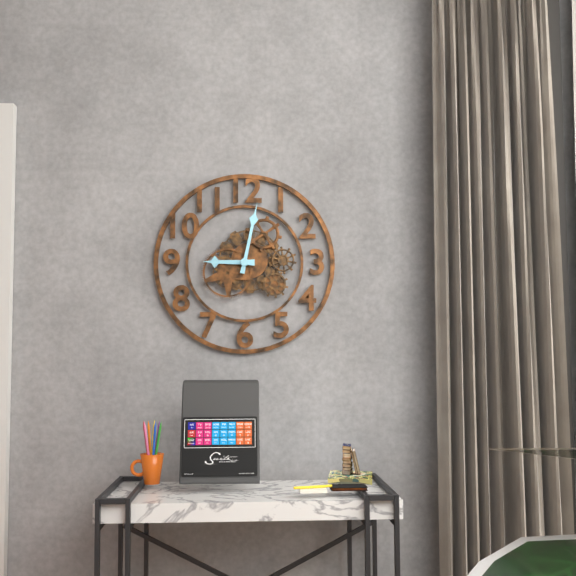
9:02
